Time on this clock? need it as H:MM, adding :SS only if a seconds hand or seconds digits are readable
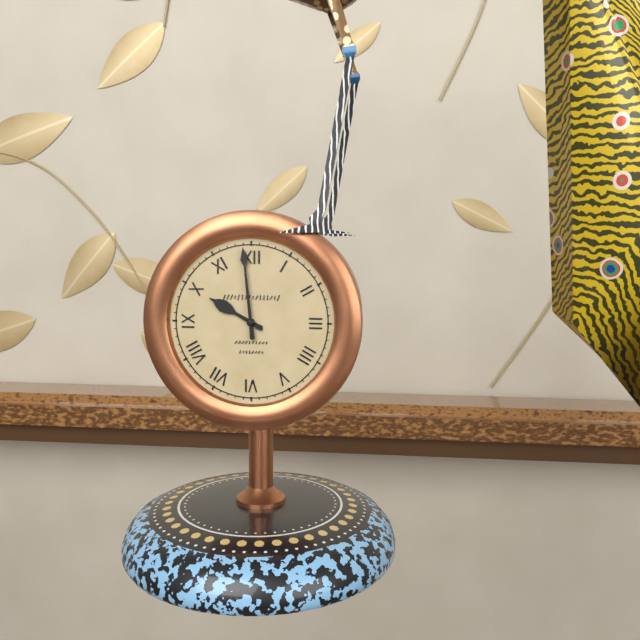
9:59
